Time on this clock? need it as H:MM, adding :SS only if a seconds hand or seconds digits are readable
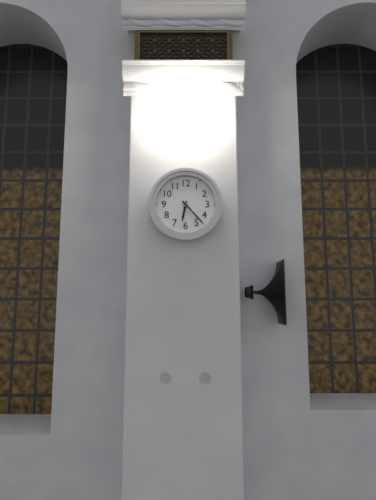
6:23
